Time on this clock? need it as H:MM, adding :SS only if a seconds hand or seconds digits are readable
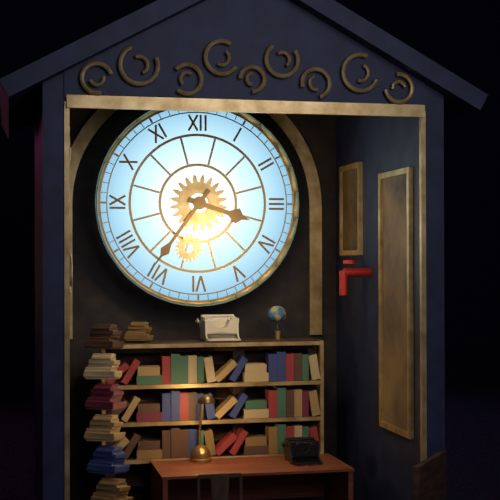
3:36
